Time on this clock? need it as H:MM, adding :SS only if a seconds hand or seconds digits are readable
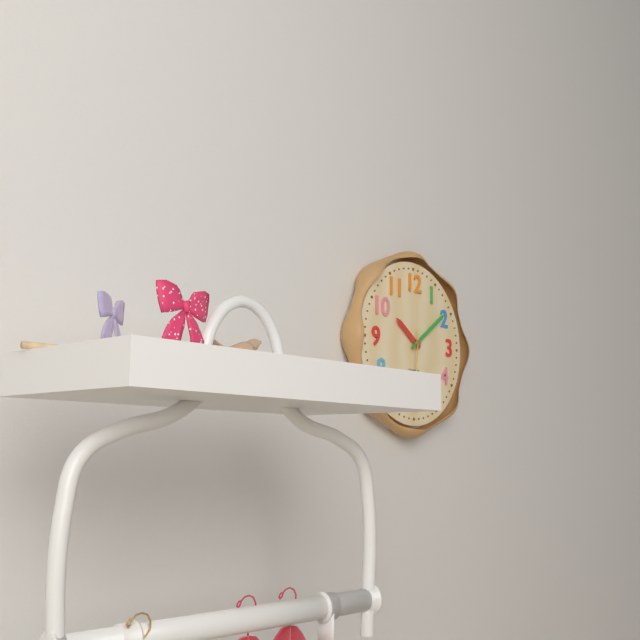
10:09
